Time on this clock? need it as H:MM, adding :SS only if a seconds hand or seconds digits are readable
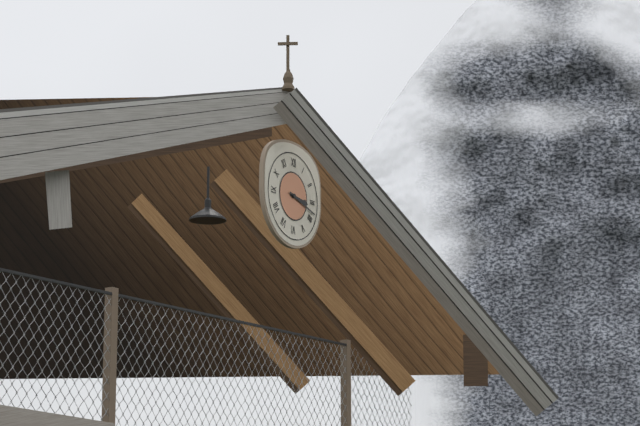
3:18
